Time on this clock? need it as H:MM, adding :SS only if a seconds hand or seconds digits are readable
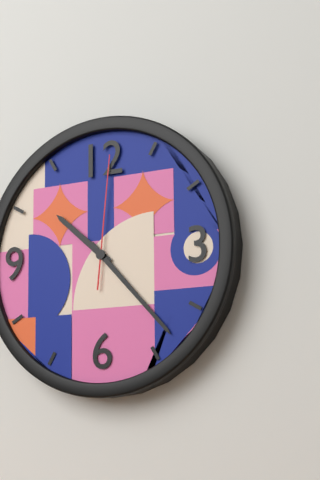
10:23:01
